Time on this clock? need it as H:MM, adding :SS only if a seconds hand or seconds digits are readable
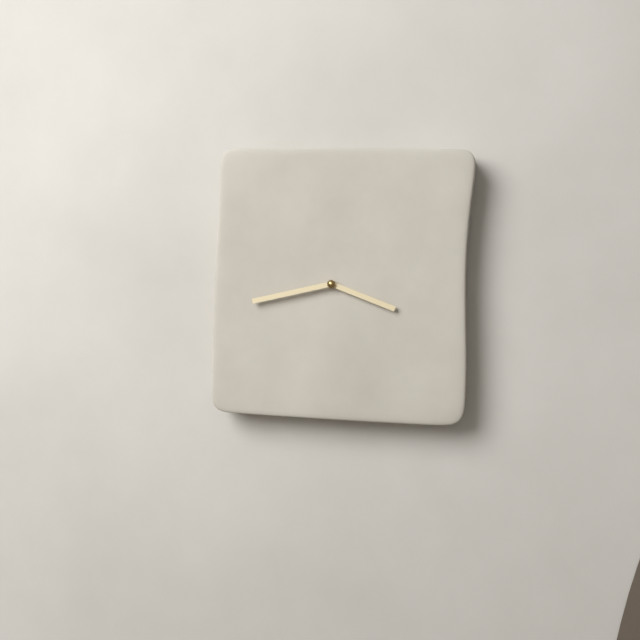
3:43
